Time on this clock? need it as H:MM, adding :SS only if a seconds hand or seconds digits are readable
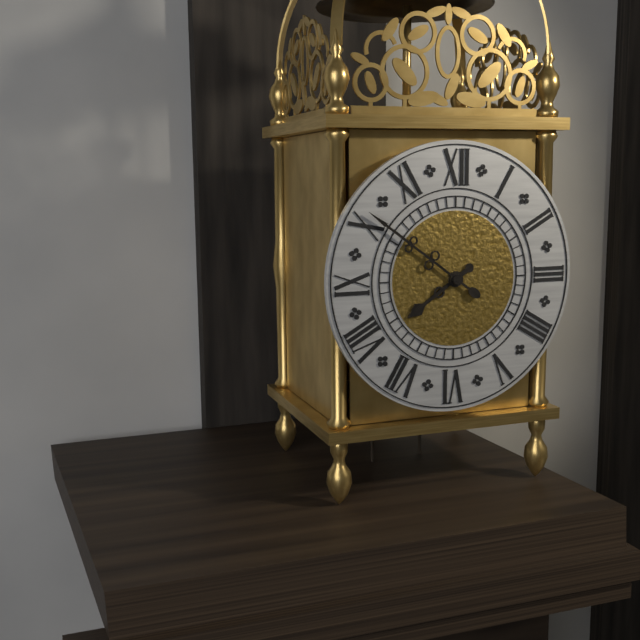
7:51
